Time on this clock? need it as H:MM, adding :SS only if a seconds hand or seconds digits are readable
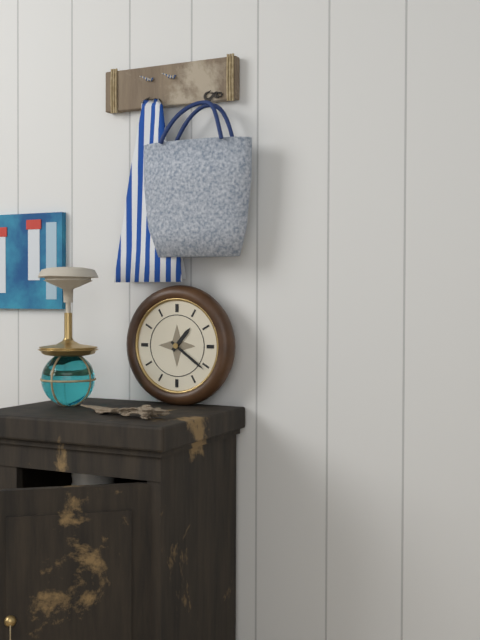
1:21
